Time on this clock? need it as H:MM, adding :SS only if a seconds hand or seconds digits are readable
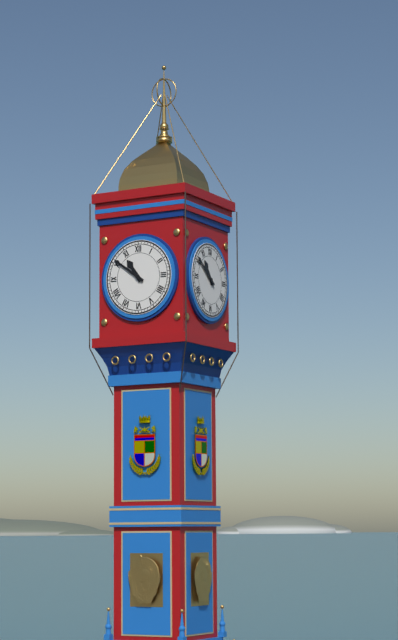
10:51
